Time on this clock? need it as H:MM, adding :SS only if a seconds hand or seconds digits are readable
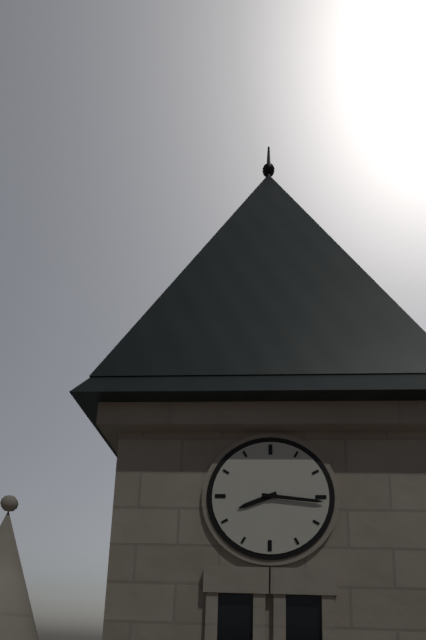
8:16
